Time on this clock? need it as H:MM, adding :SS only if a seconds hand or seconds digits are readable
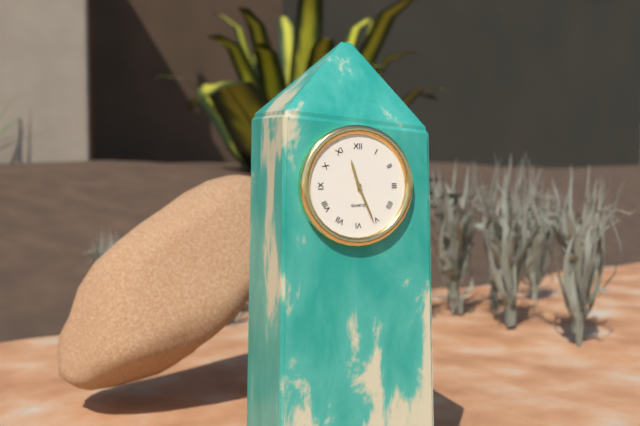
11:26
